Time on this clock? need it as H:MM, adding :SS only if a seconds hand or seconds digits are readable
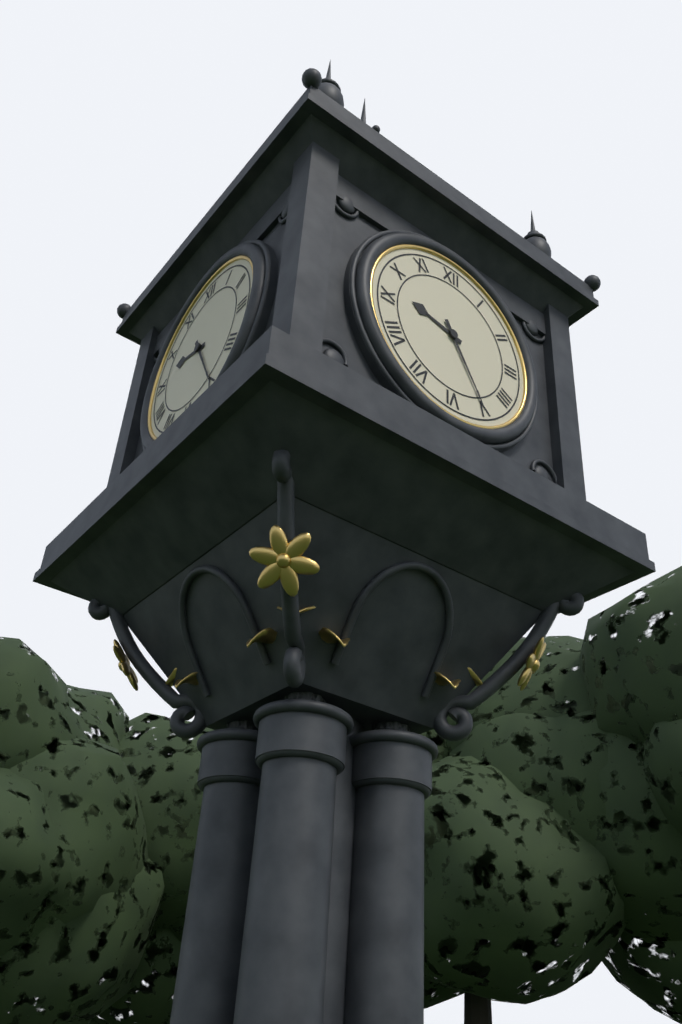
9:25
